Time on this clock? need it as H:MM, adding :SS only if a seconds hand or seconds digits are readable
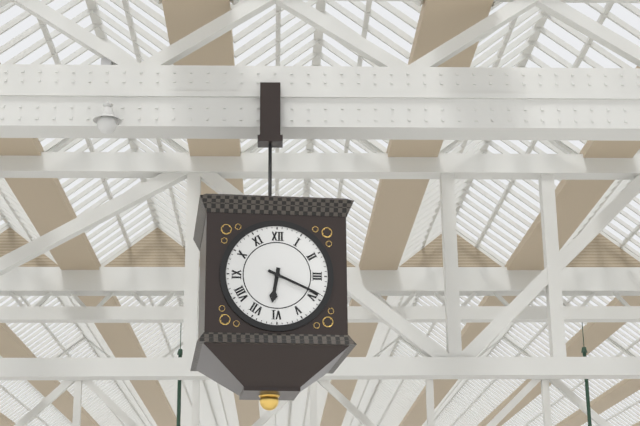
6:19
